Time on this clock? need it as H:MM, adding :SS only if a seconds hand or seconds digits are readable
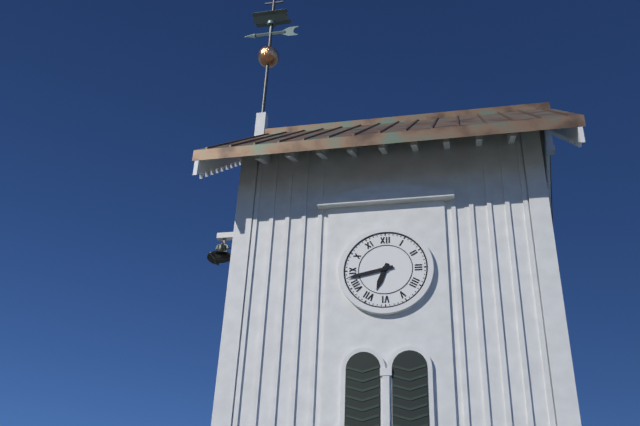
6:43
